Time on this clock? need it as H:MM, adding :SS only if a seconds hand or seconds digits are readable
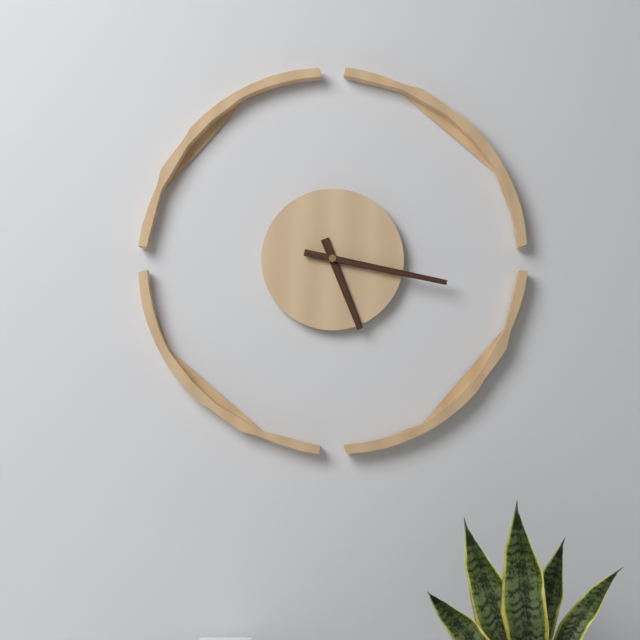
5:17
